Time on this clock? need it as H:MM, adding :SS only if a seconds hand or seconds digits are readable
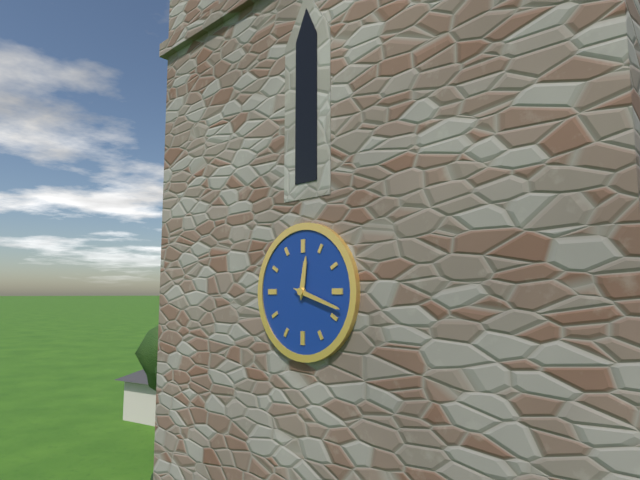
12:18
